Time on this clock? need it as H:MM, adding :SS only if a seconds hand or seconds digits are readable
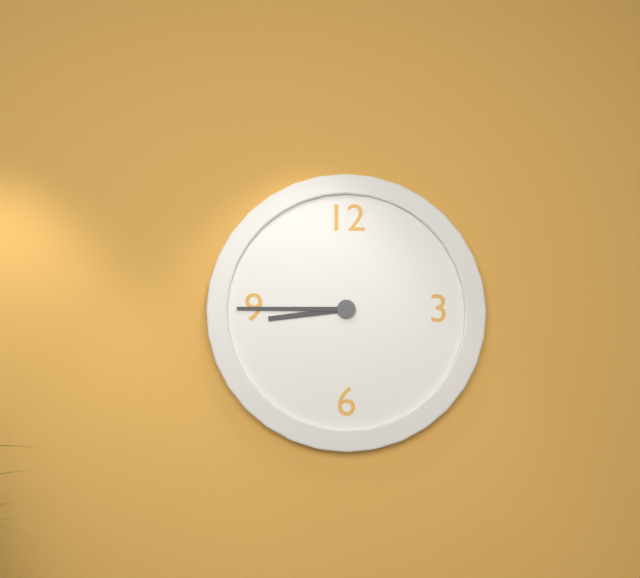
8:45
